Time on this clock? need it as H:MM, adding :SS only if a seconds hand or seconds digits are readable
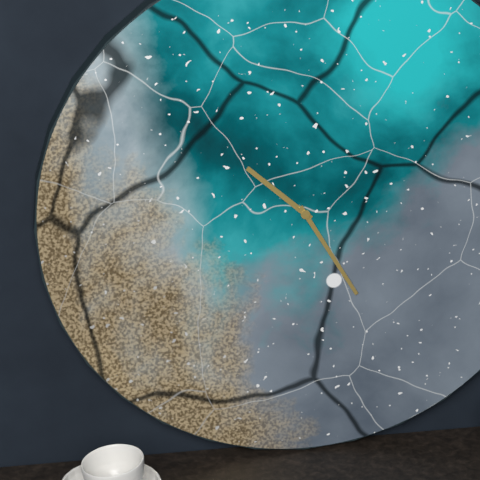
10:25
